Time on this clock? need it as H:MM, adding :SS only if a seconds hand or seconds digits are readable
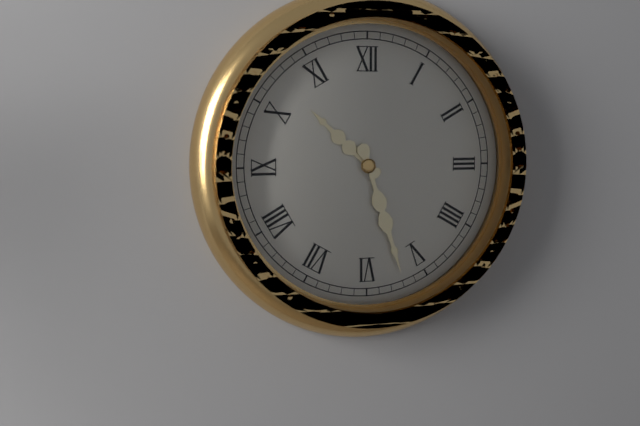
10:27
